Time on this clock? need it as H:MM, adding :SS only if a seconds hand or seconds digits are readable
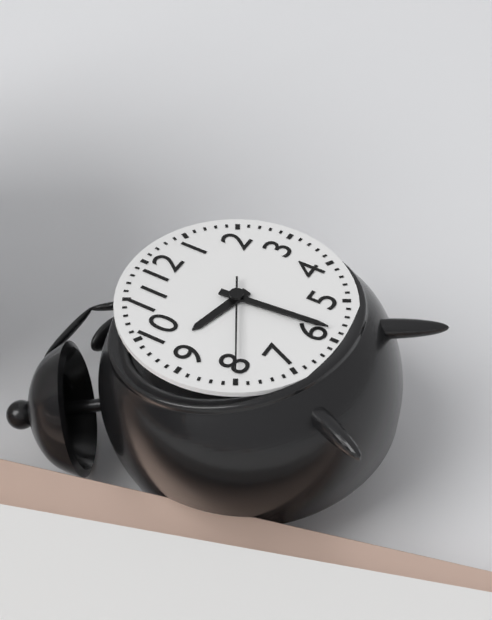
9:29:40
